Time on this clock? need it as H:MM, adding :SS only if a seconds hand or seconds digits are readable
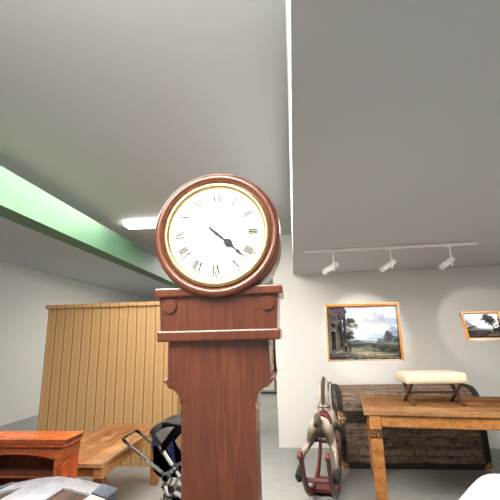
4:22
